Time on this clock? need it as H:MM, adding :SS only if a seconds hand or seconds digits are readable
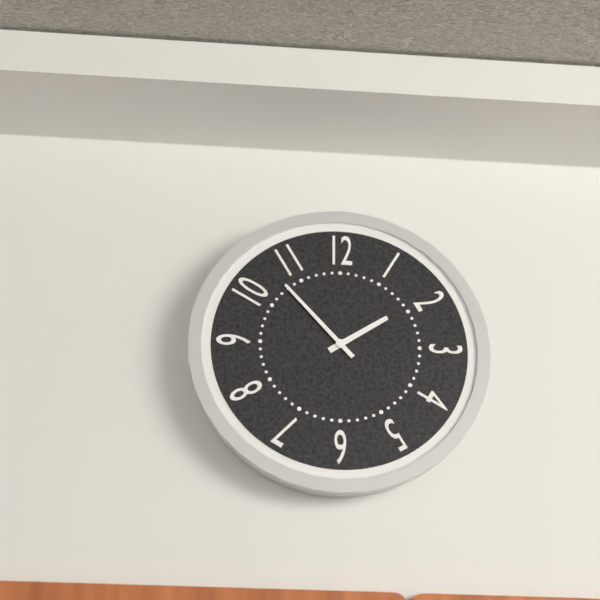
1:53
